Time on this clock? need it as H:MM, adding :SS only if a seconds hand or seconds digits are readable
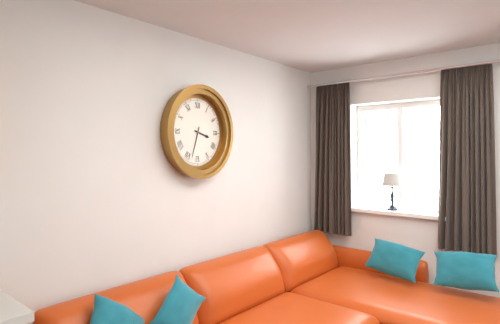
3:33
